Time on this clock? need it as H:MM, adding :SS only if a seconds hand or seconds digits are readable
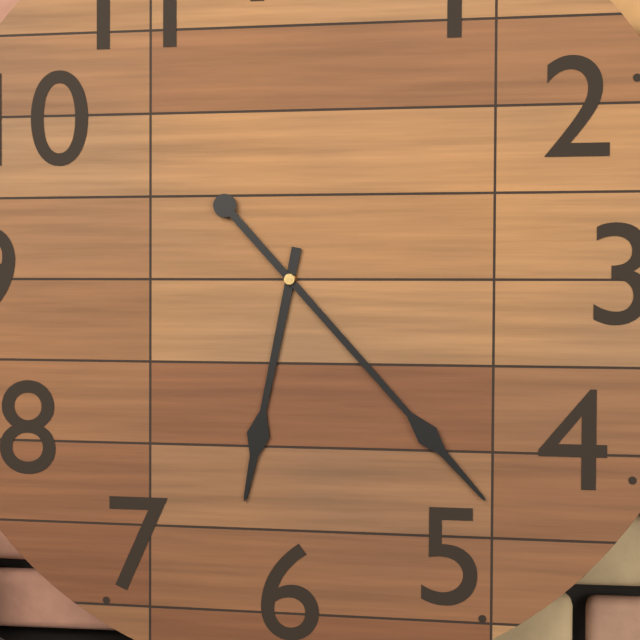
6:23
